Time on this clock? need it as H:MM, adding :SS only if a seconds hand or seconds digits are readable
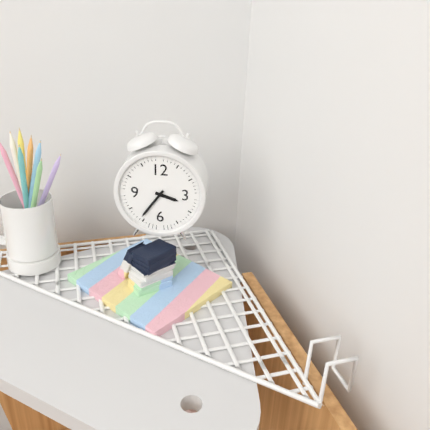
3:36
